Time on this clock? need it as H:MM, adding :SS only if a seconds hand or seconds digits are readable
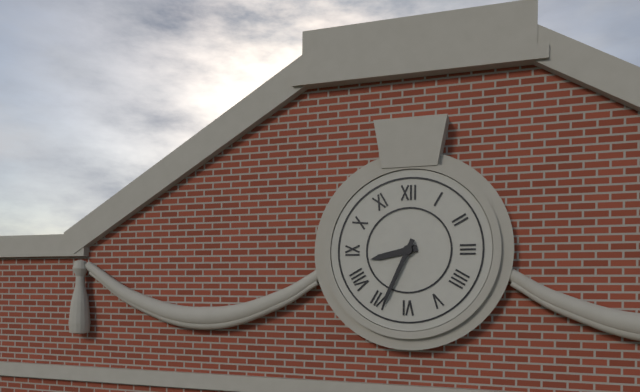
8:34
